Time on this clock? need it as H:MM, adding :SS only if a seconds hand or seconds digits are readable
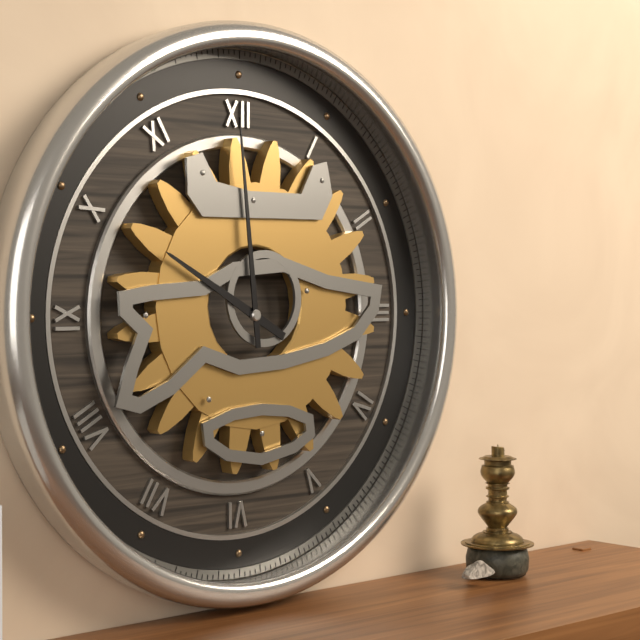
9:59
